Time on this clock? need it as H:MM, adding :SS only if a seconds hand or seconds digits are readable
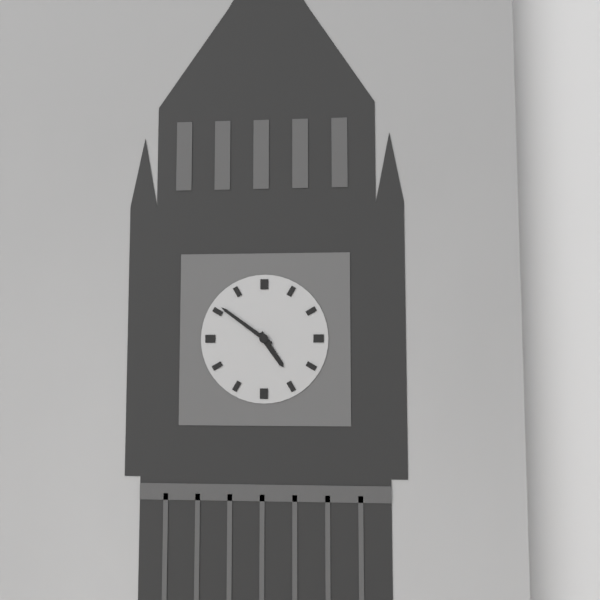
4:51
